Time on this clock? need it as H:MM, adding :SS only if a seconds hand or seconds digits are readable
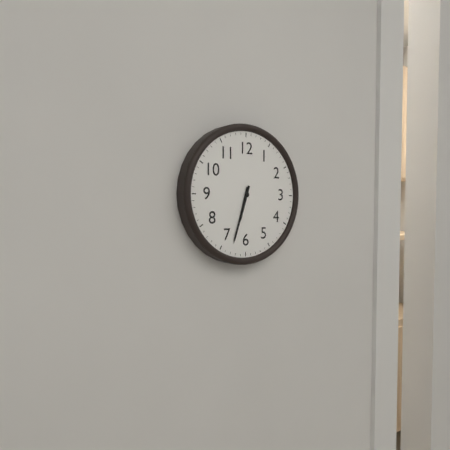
6:33
